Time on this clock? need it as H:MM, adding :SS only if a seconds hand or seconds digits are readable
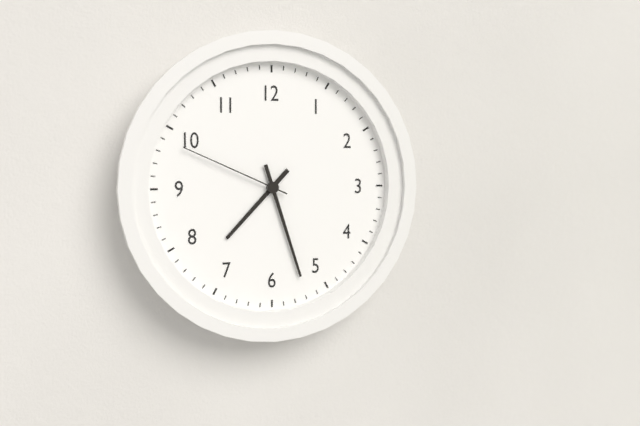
7:27:49
